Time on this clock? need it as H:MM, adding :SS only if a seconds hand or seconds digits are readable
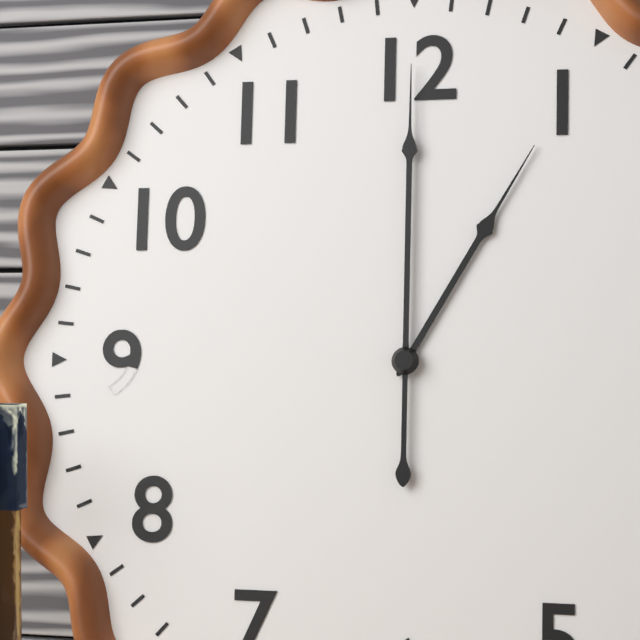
1:00
